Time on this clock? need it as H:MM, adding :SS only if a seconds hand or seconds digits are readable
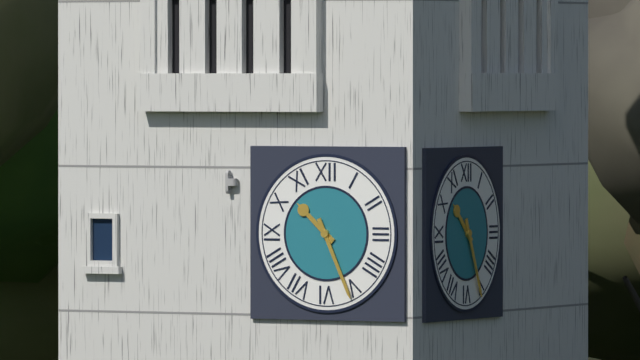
10:26
